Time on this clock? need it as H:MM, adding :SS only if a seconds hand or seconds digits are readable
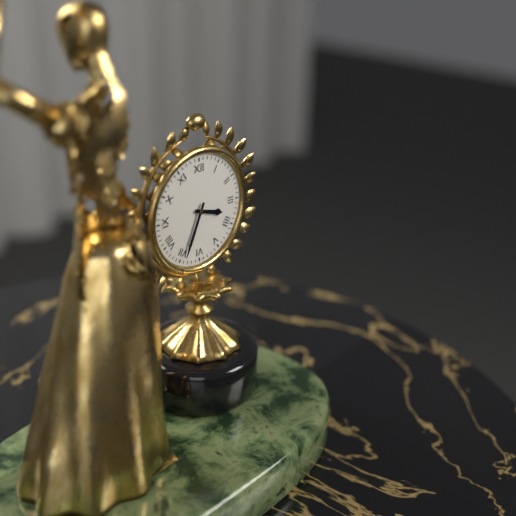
3:34
